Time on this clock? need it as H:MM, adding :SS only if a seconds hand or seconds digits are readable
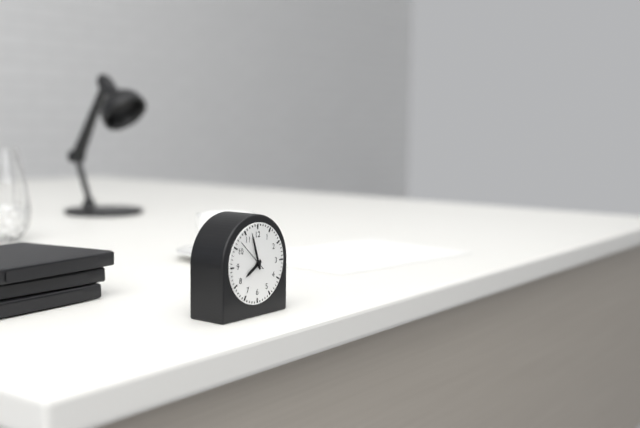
7:57
